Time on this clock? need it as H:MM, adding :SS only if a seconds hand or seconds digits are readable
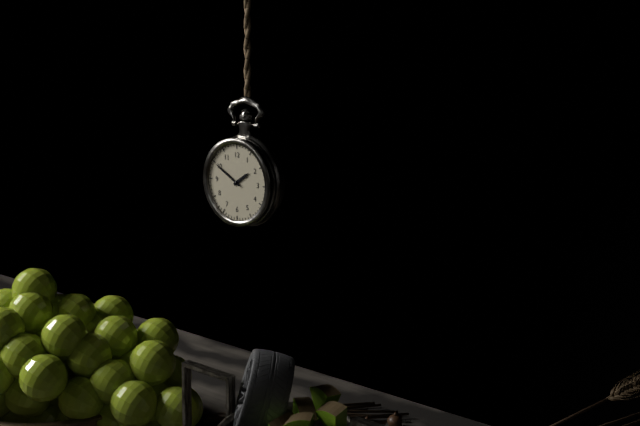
1:50
